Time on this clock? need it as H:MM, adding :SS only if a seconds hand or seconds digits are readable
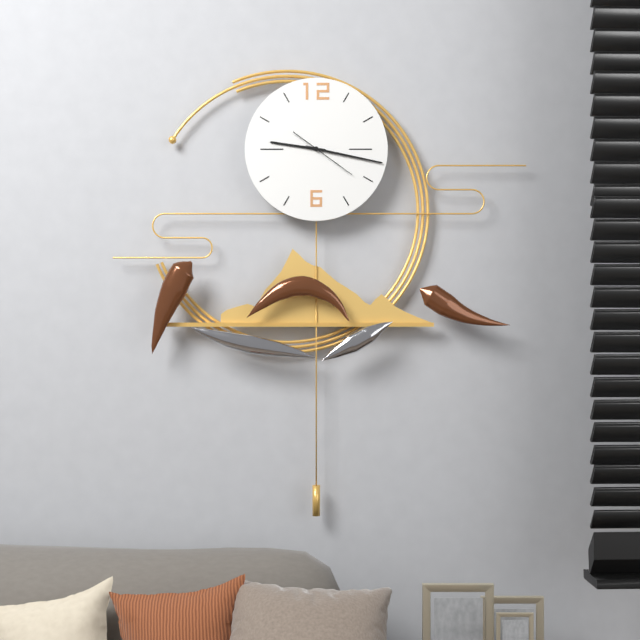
9:17:21
